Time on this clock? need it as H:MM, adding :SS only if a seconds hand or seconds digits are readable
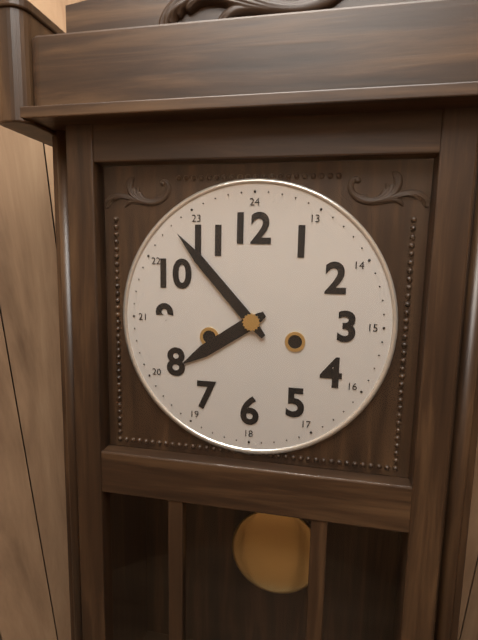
7:53
